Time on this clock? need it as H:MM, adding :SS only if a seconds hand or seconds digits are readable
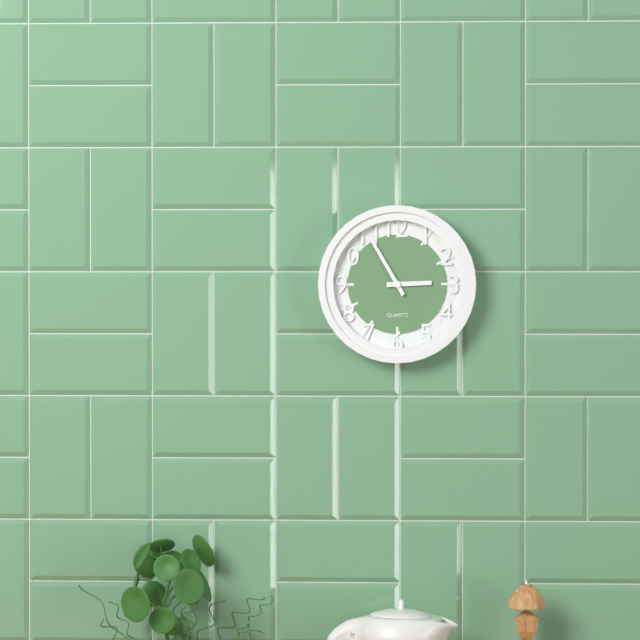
2:55
